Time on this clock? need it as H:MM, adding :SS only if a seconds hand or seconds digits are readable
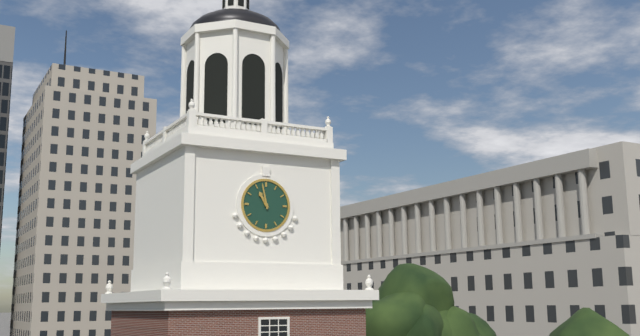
10:58
